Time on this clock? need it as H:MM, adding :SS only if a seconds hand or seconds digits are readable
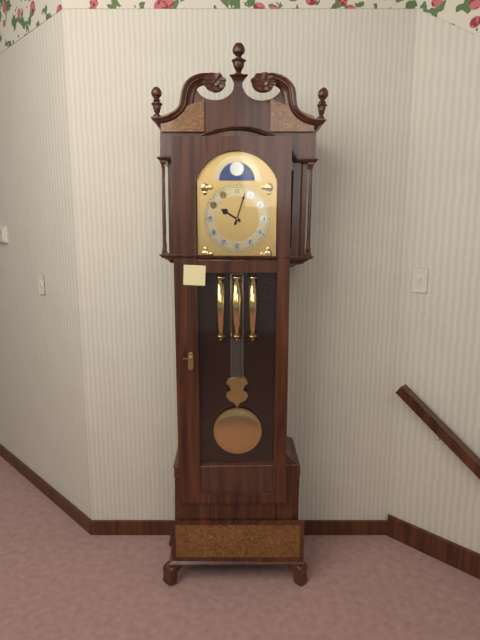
10:03
